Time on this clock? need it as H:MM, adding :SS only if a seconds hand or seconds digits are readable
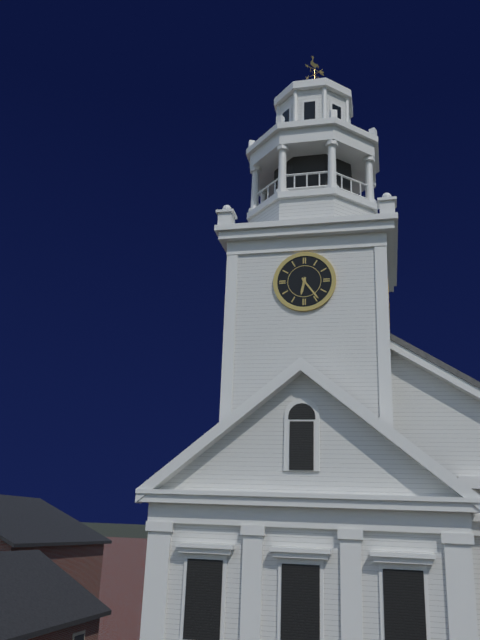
6:24
